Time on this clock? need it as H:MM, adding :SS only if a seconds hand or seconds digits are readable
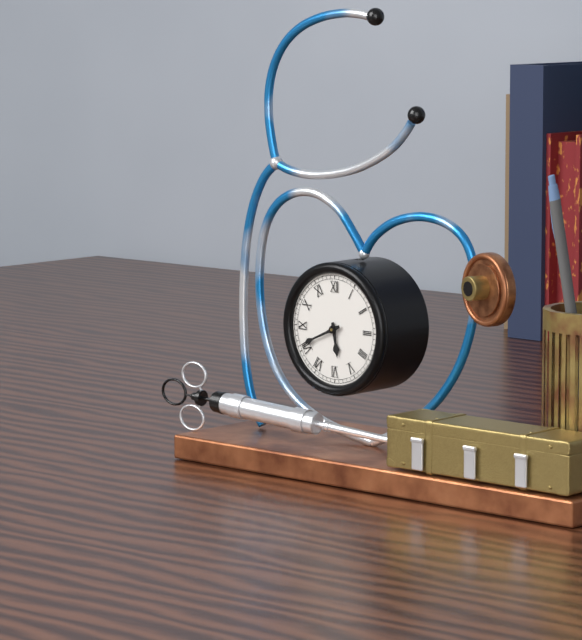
5:41
